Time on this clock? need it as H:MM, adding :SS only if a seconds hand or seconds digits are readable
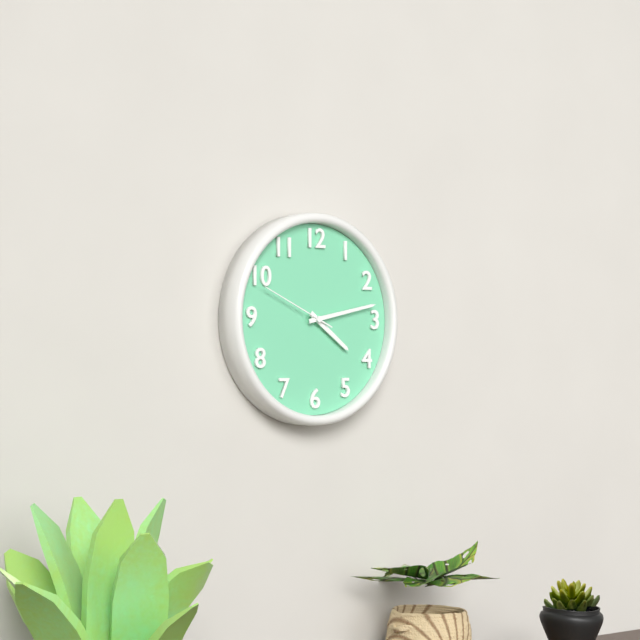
4:13:49
